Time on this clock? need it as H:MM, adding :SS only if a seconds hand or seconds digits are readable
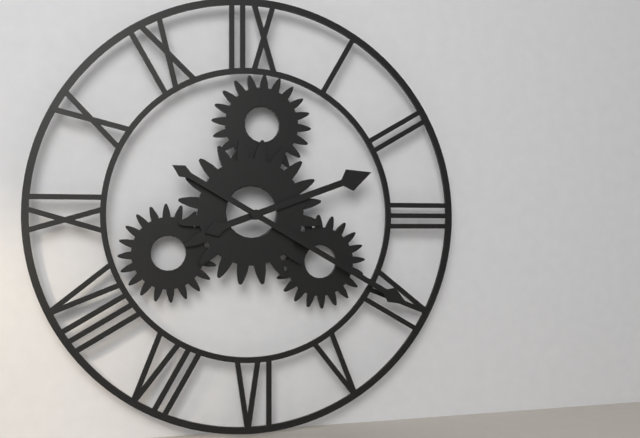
2:20
